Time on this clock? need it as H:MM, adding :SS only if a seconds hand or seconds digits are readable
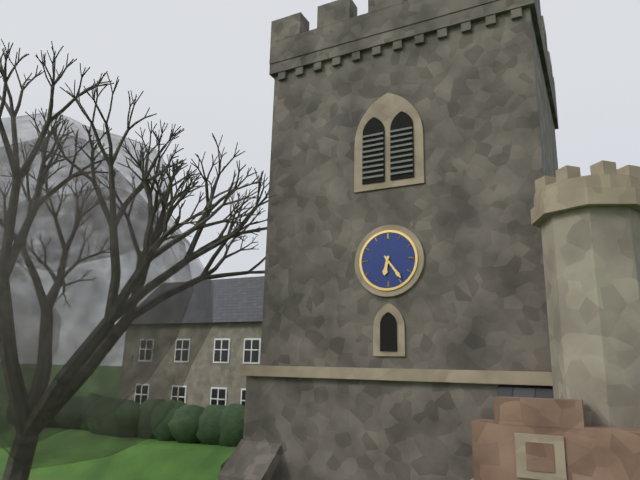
6:24
